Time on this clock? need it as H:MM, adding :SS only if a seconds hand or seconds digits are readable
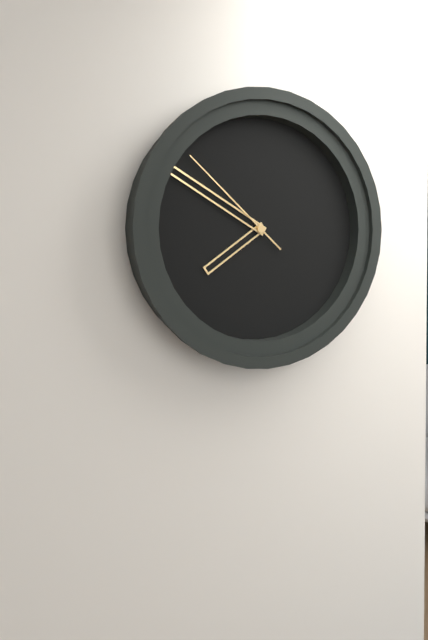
7:50:52
